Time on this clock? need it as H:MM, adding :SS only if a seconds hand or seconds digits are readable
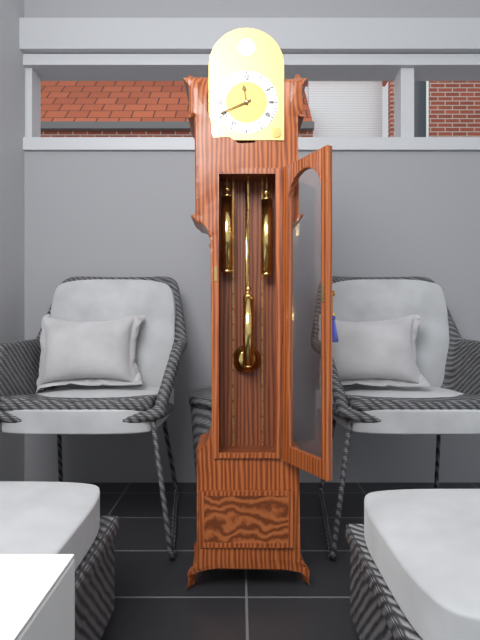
11:41
